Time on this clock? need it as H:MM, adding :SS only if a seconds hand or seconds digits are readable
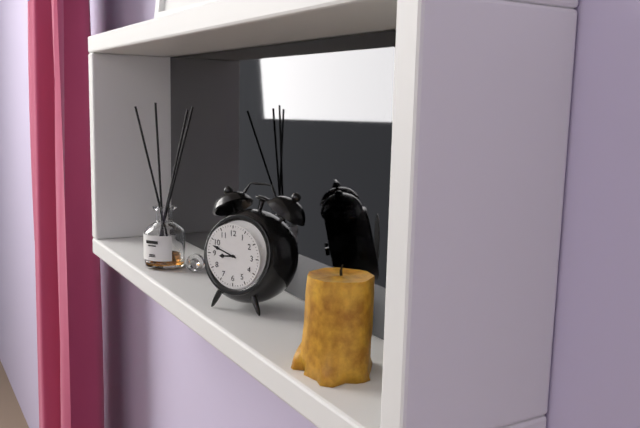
8:48
